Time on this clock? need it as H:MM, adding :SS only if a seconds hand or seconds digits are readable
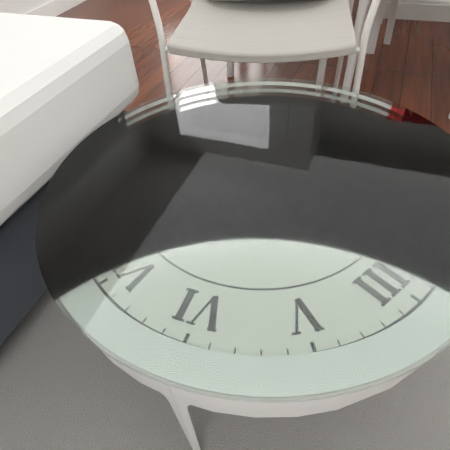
11:54
